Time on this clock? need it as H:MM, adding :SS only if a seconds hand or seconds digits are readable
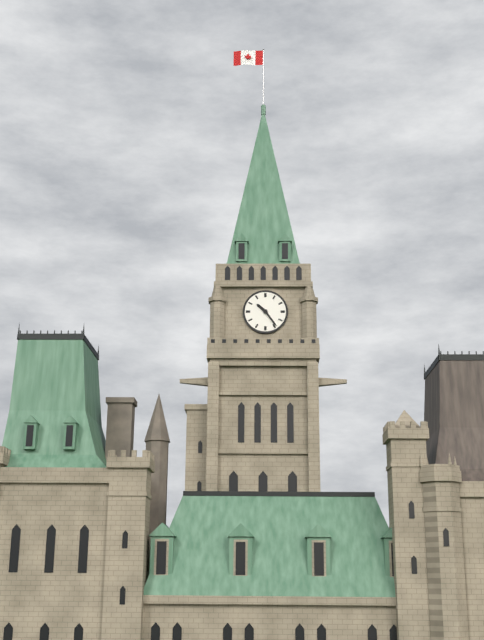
10:24
